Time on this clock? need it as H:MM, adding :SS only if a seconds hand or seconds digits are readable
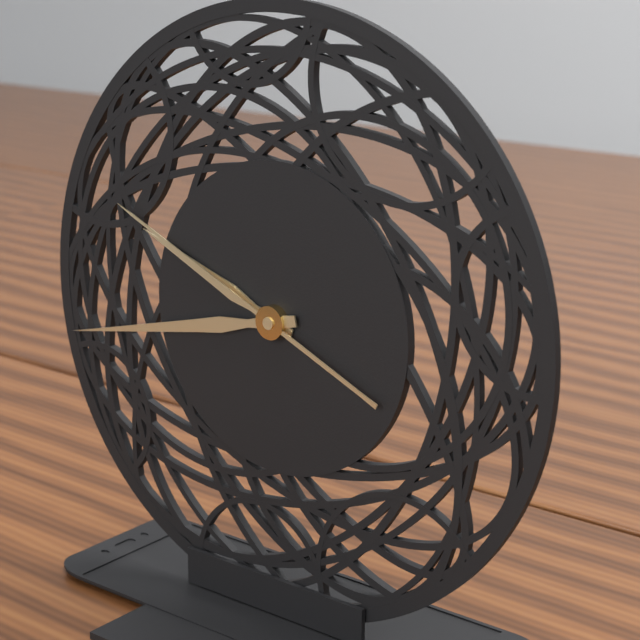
9:43:49
